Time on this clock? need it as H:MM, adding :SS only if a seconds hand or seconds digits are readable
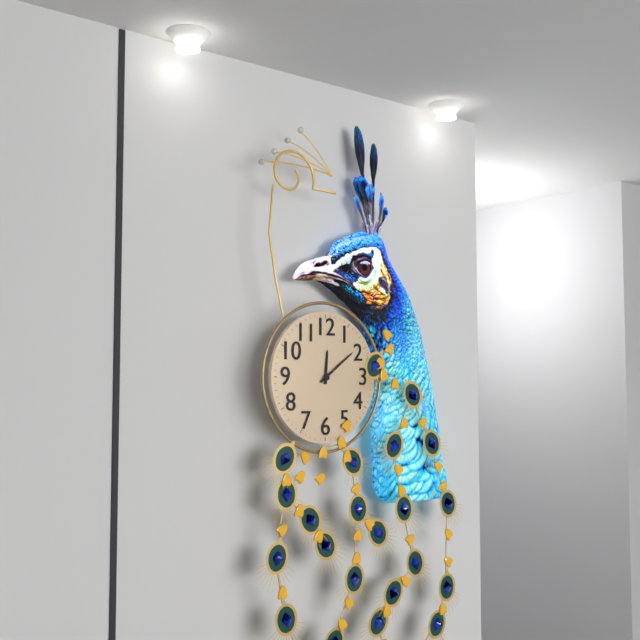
12:09
